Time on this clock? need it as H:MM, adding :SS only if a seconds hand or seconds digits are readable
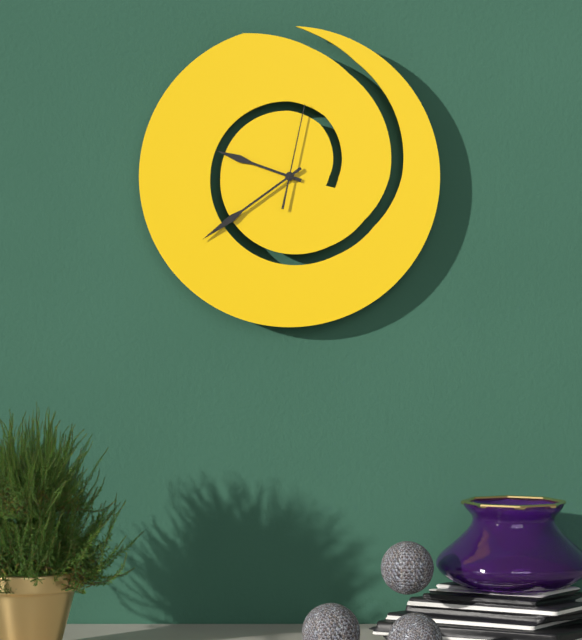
9:39:02
